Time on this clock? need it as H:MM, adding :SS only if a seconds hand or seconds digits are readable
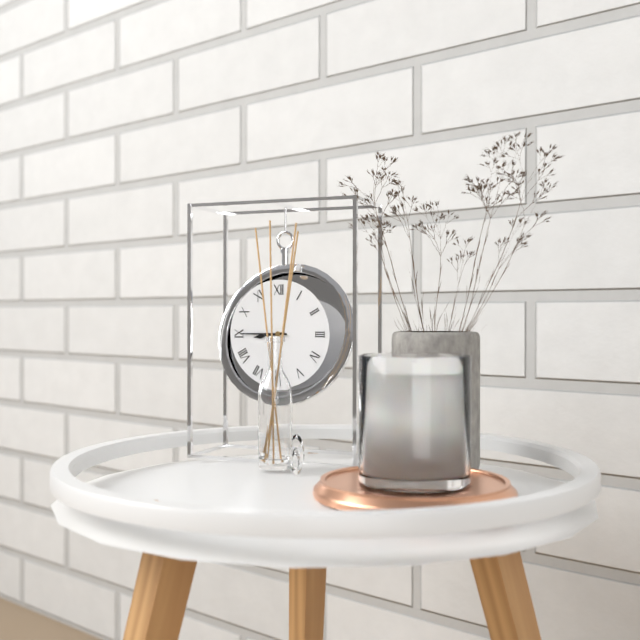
8:45
